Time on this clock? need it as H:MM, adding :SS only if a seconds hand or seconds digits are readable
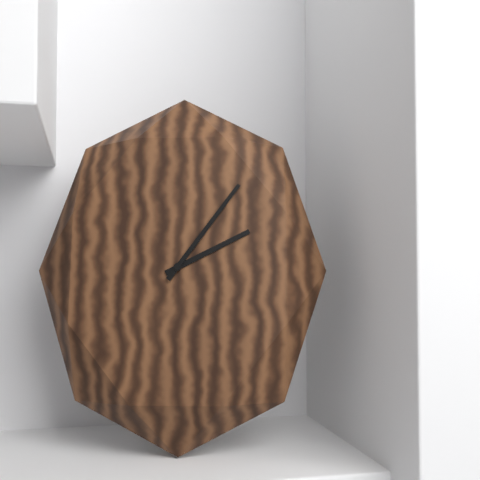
2:06
